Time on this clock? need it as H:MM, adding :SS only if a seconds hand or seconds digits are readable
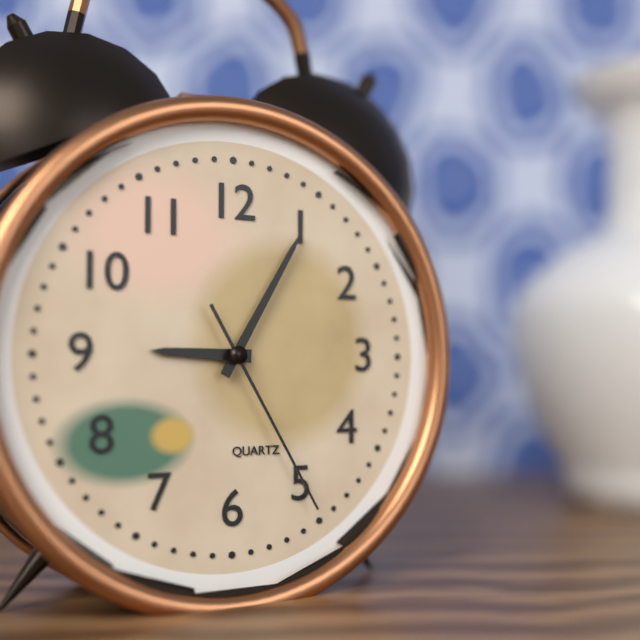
9:05:25
